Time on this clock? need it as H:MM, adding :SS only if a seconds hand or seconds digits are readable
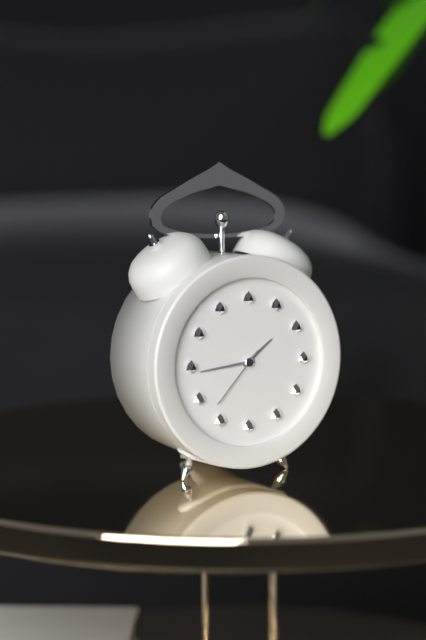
1:44:37
